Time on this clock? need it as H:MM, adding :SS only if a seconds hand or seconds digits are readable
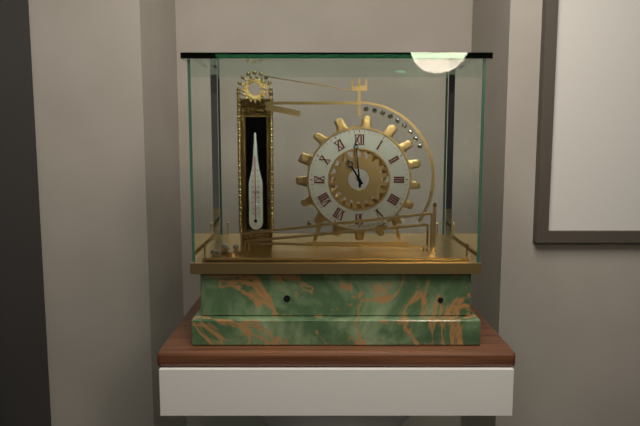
10:59
